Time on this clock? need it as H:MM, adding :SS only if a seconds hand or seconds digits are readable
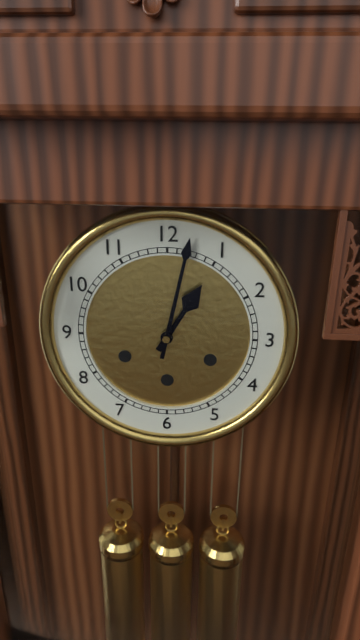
1:02
